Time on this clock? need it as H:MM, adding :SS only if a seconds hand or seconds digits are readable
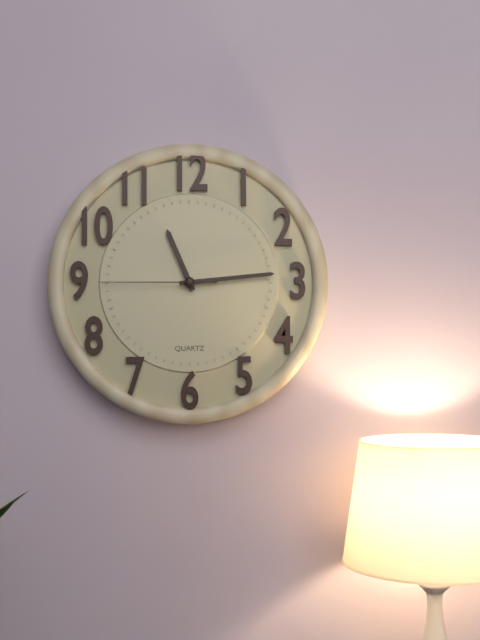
11:14:45
